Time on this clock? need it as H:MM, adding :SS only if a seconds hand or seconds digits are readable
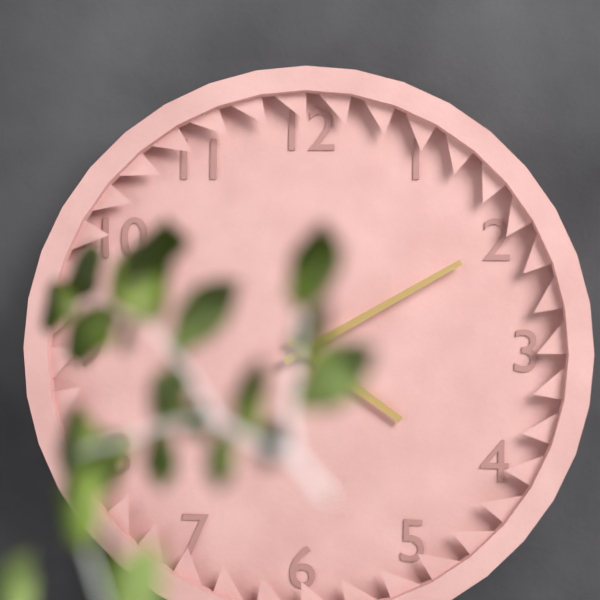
4:10
